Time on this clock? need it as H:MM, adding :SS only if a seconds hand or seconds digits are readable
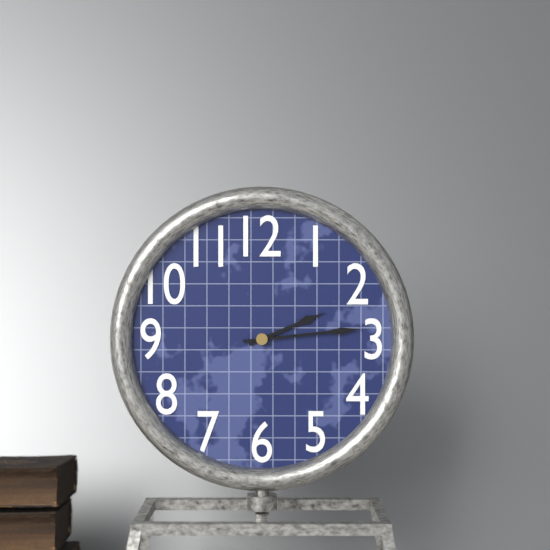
2:14
